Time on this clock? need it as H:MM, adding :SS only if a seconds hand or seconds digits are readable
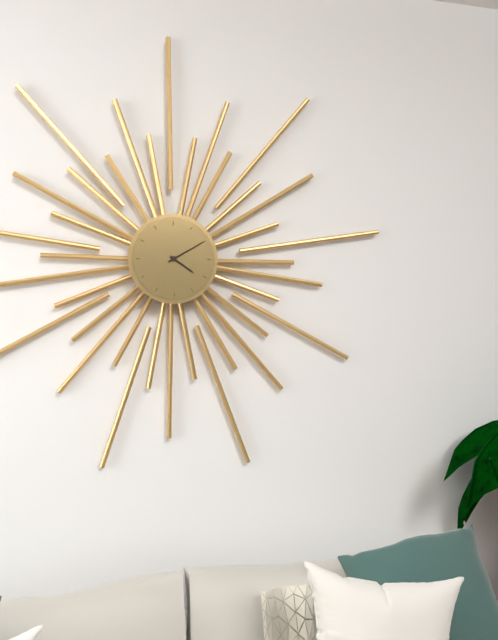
4:10
